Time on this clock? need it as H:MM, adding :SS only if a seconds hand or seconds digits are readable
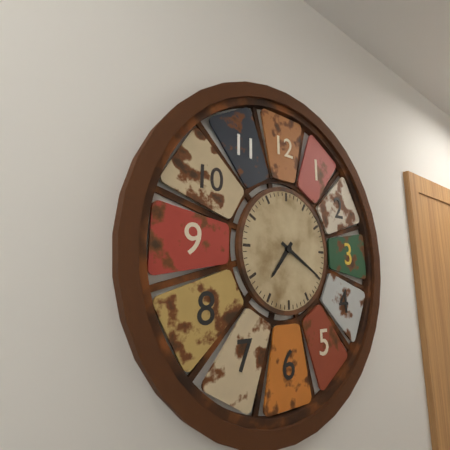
7:20
